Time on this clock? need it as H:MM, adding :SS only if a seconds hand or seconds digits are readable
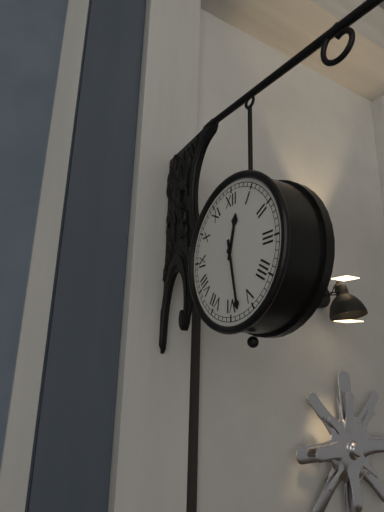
12:28
